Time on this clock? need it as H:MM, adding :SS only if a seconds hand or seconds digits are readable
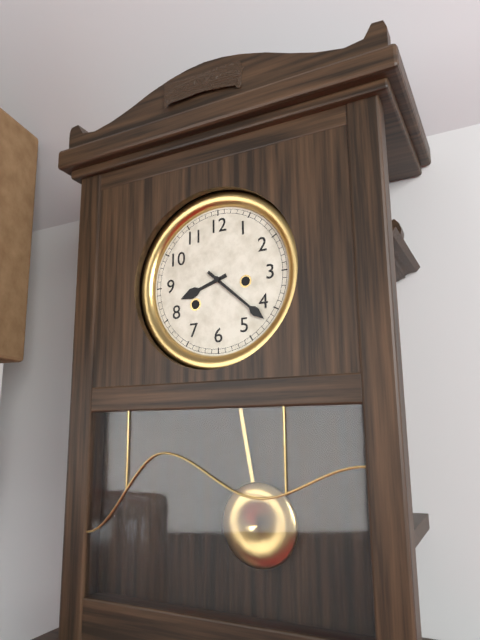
8:22
